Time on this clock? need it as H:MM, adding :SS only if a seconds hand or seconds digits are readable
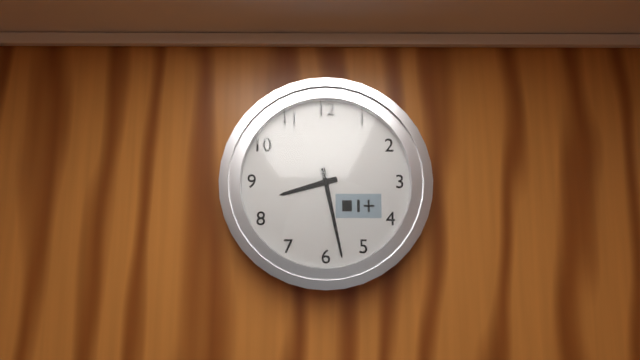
8:28
